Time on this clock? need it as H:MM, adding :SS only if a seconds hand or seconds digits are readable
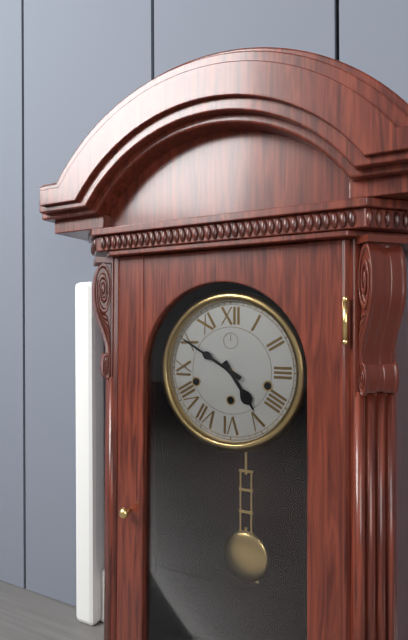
4:50
